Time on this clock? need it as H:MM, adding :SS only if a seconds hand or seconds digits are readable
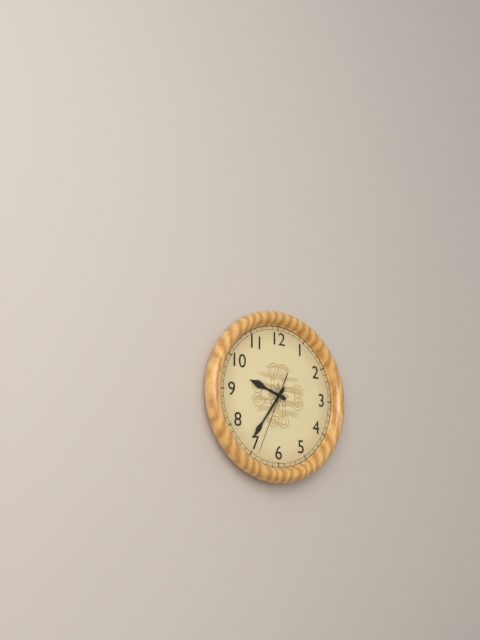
9:36:34
